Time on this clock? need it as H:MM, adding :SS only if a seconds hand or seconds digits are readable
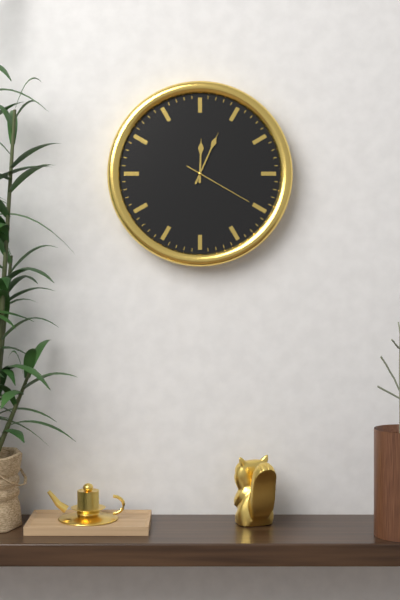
12:04:20
